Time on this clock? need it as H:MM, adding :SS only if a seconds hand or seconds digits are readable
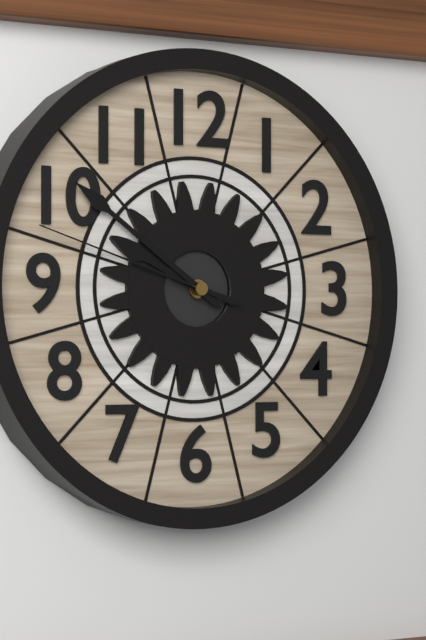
9:51:48
